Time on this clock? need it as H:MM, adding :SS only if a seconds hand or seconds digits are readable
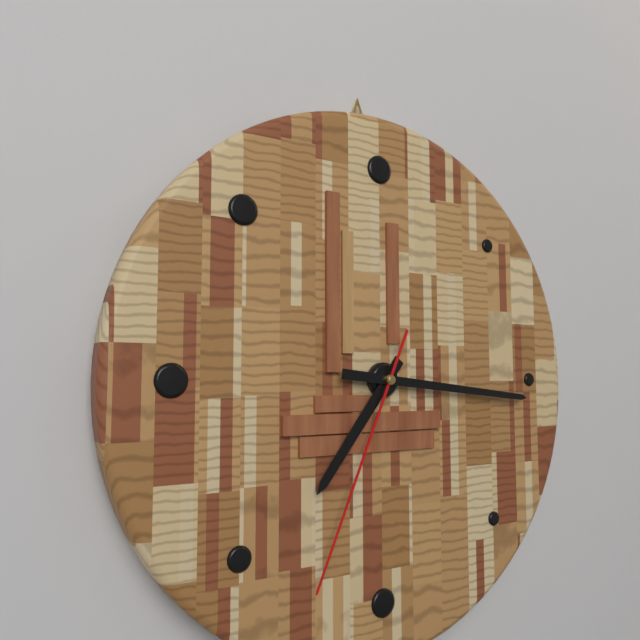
7:16:34
